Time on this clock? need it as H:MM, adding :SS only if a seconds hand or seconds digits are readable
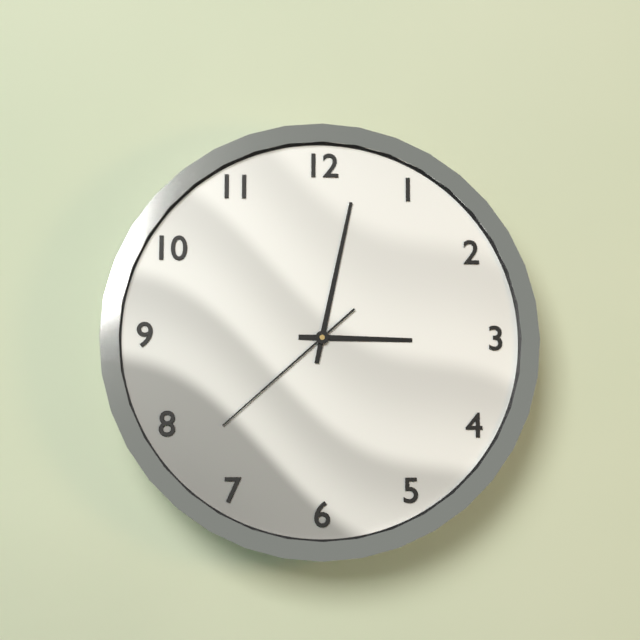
3:02:38
